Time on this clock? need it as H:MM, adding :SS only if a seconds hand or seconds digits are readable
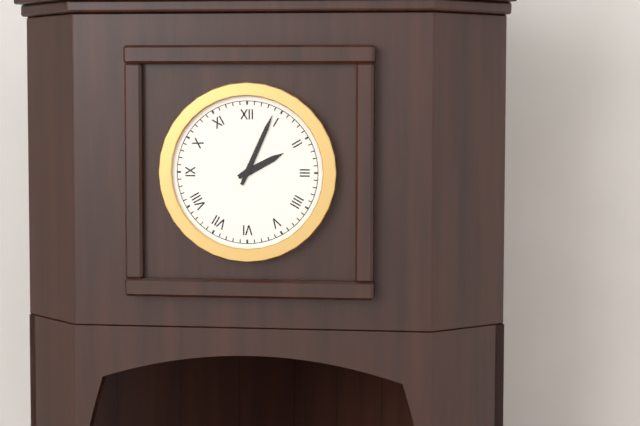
2:04
